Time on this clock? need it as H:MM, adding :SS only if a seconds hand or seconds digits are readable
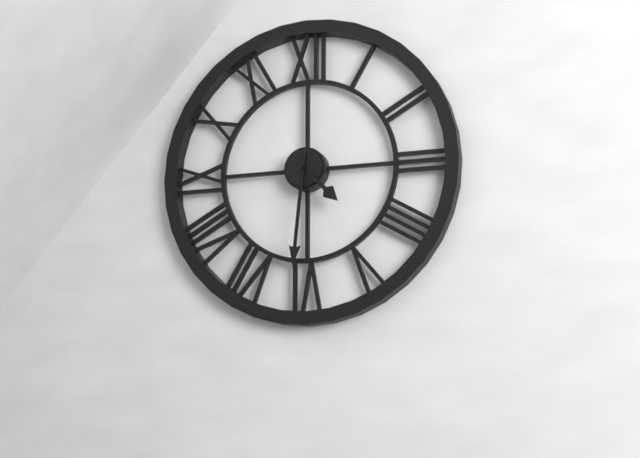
4:31
